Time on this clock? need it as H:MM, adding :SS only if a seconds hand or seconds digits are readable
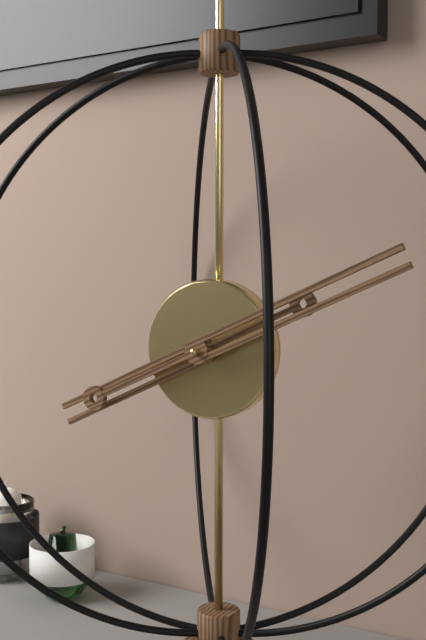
8:11
